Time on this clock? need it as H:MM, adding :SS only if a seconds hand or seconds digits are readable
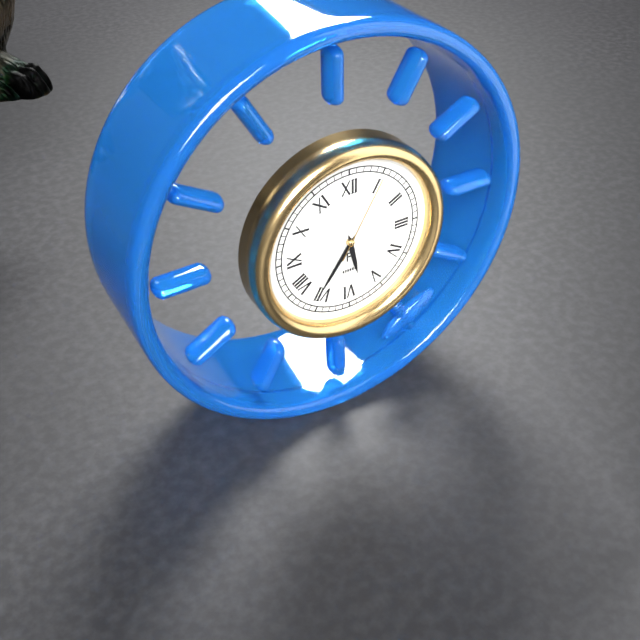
5:36:05
